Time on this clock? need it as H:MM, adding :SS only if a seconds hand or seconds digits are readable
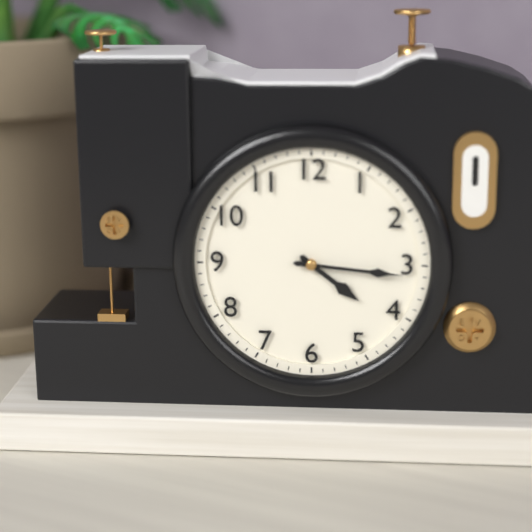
4:16
